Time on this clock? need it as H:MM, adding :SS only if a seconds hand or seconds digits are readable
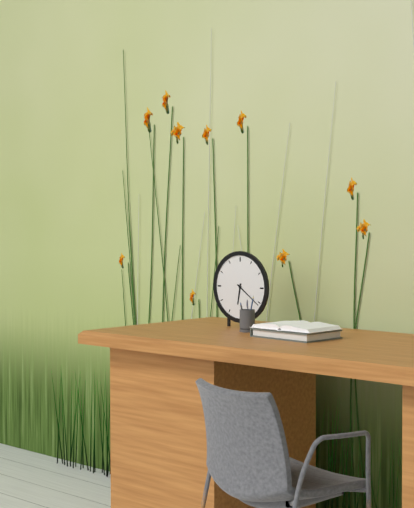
6:21
